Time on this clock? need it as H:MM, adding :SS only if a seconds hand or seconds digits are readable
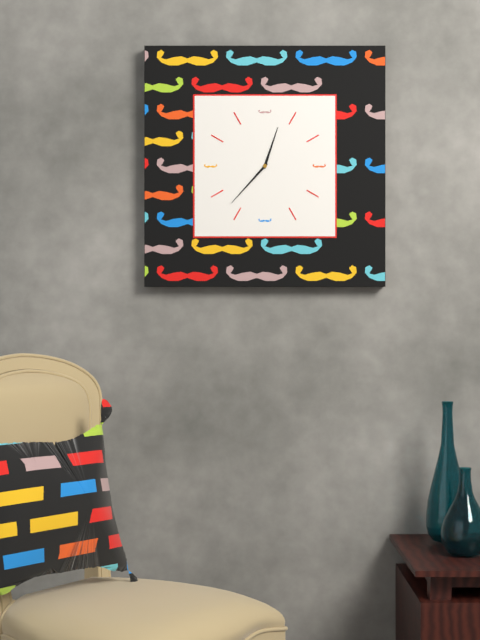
12:37
